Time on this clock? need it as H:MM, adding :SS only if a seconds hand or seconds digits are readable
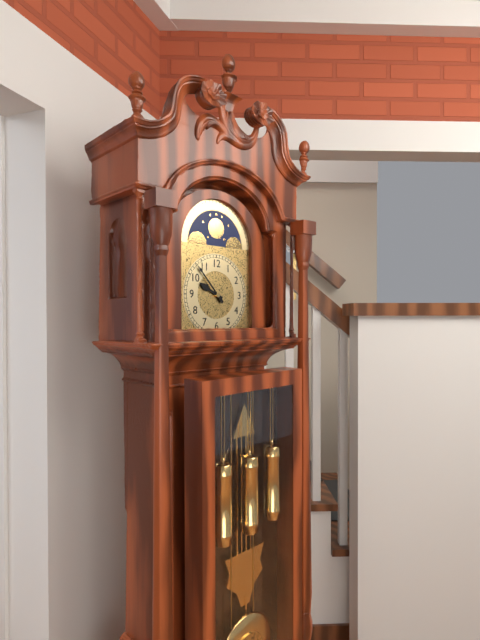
9:53
